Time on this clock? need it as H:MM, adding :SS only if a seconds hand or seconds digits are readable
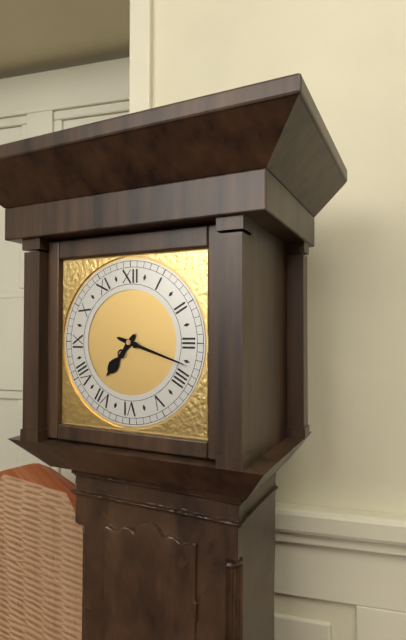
7:18
